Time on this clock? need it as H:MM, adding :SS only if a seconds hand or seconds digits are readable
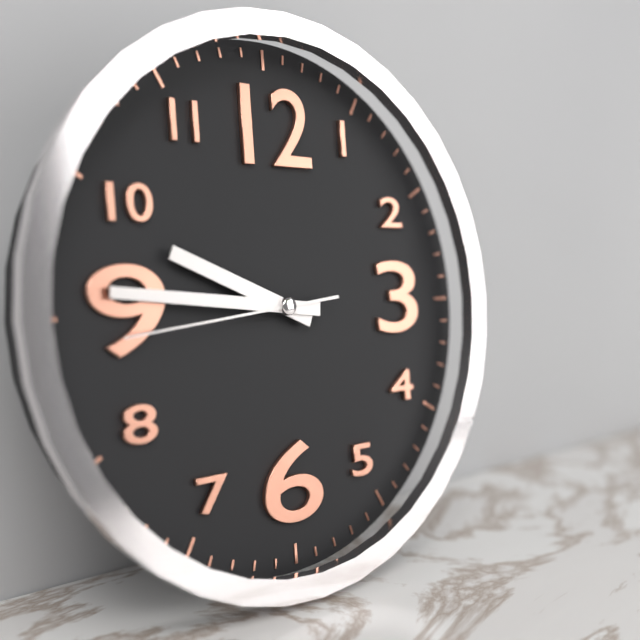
9:46:44
